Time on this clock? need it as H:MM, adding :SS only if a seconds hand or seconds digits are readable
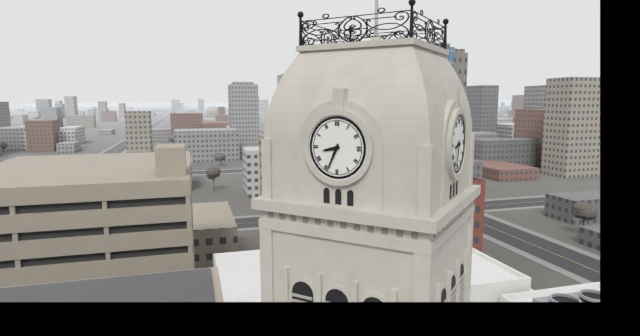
8:34
